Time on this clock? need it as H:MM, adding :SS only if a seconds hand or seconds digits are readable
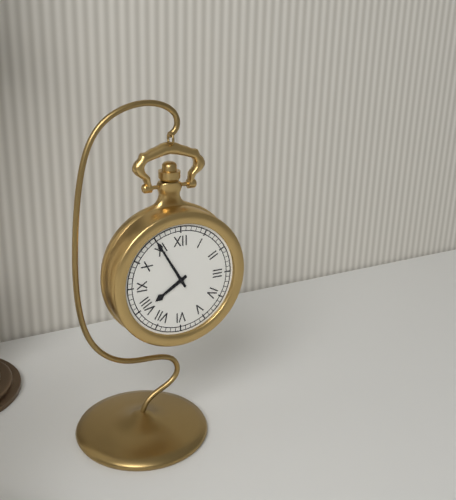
7:55
